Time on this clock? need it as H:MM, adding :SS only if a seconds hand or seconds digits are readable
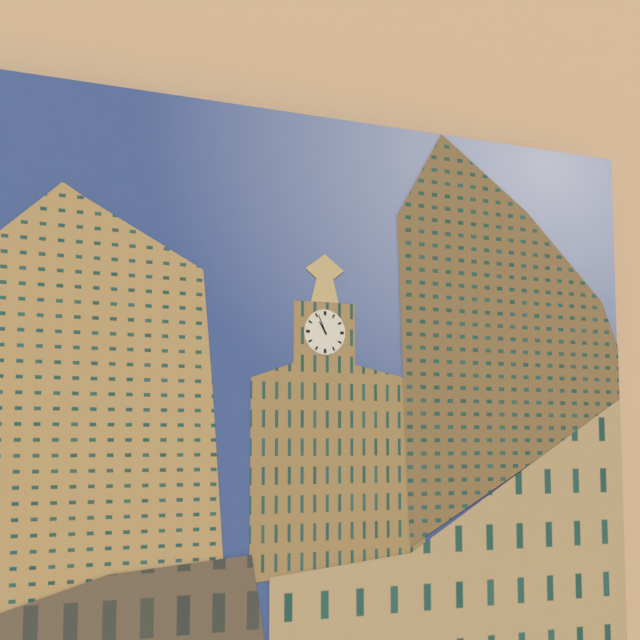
10:56
